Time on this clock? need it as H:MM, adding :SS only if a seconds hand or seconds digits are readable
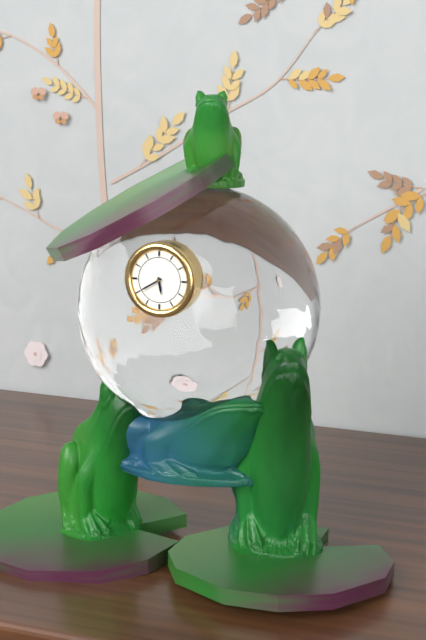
5:40
